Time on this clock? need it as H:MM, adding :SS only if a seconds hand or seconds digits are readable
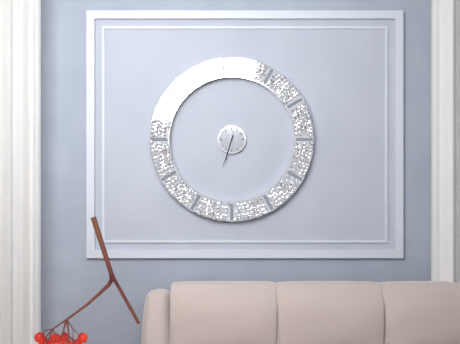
6:33
